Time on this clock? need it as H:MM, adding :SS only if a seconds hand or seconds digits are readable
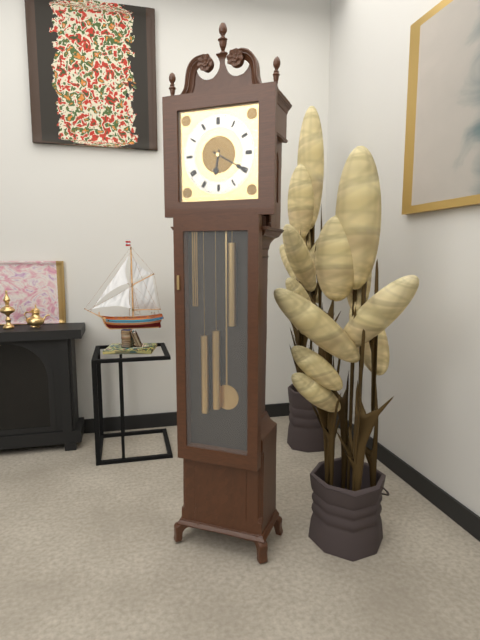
6:20
